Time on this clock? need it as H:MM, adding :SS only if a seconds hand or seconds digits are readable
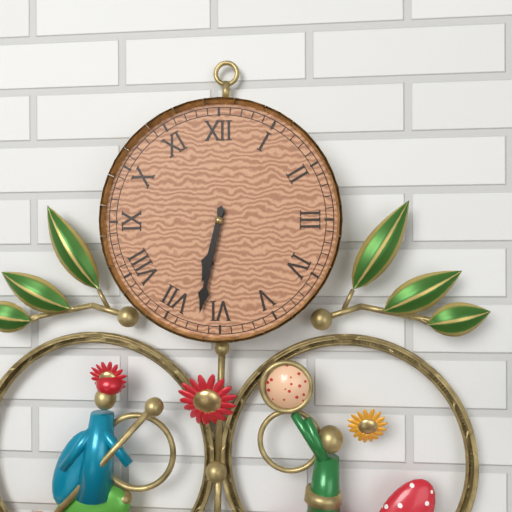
6:32
